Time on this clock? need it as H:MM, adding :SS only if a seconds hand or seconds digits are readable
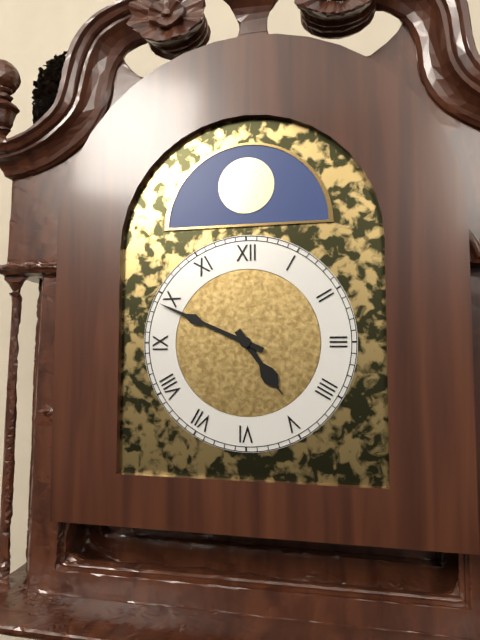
4:49
